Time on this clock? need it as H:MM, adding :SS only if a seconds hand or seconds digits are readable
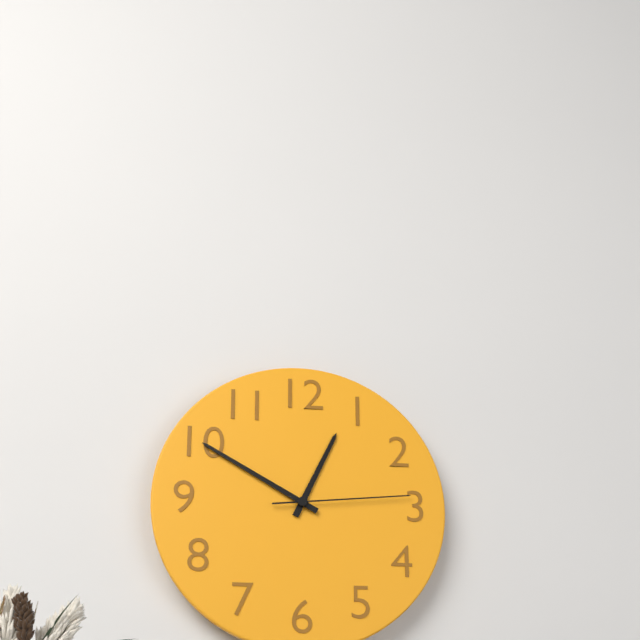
12:50:14
